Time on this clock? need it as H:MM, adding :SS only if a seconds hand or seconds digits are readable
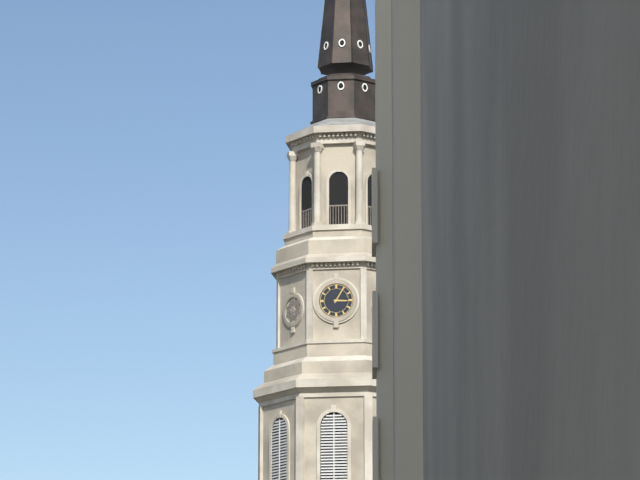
3:05
